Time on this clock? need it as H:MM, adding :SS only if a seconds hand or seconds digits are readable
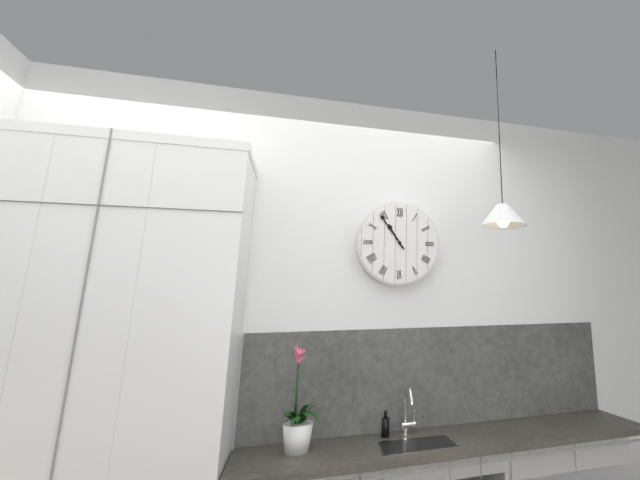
10:54
